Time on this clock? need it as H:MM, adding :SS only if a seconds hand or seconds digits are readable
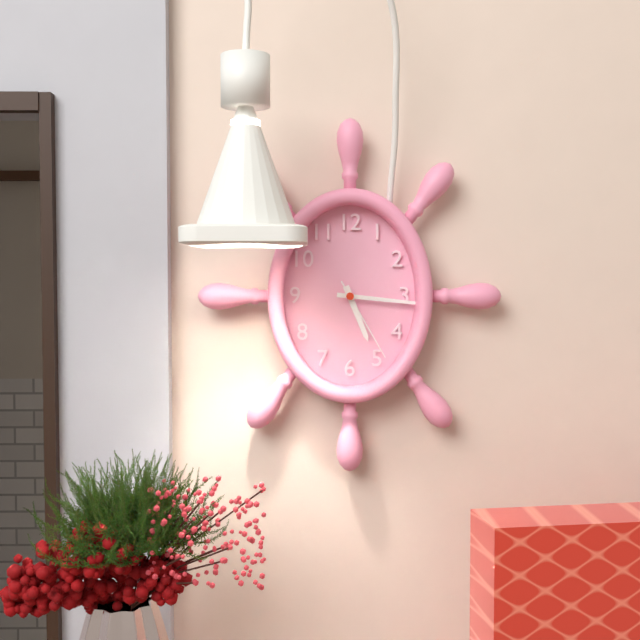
5:16:25
